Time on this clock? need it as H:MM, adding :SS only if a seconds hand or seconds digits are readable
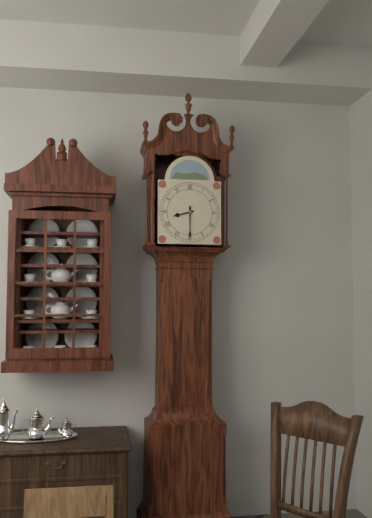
8:30
